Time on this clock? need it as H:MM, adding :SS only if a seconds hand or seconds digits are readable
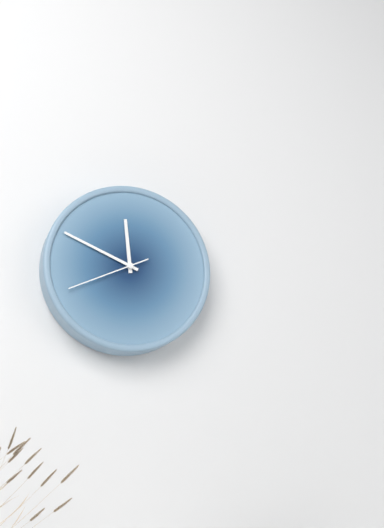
11:49:41
